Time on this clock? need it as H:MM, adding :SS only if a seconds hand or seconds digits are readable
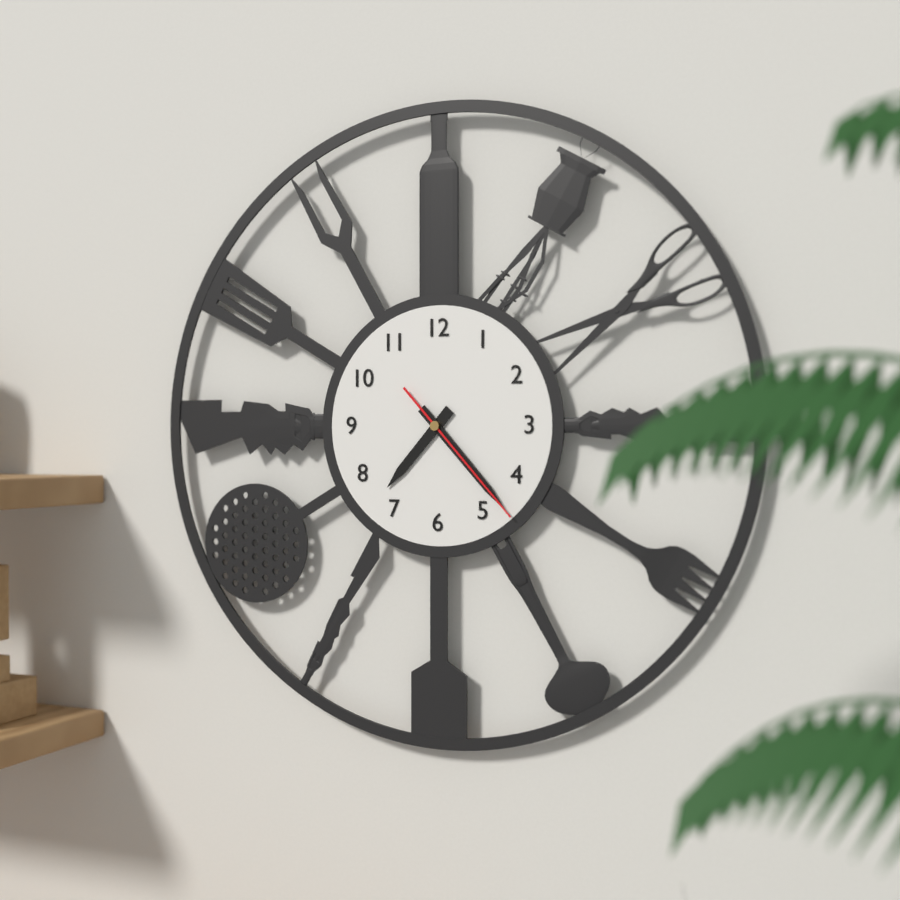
7:23:23
